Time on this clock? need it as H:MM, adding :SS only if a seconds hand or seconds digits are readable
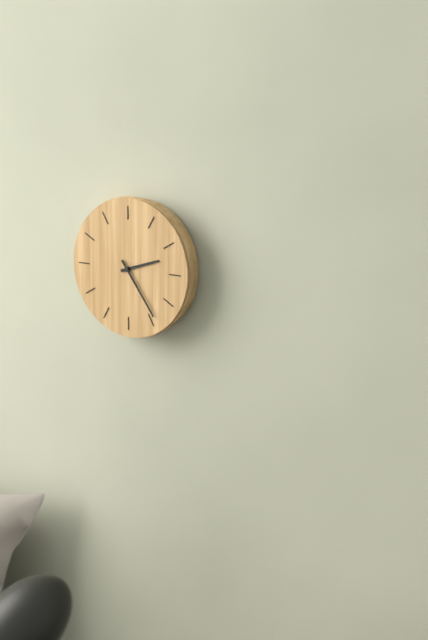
2:24
